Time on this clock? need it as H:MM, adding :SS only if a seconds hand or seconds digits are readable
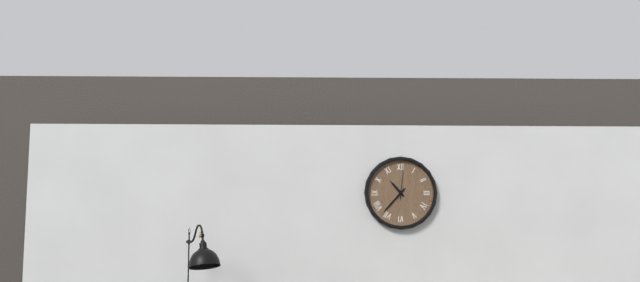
10:37
